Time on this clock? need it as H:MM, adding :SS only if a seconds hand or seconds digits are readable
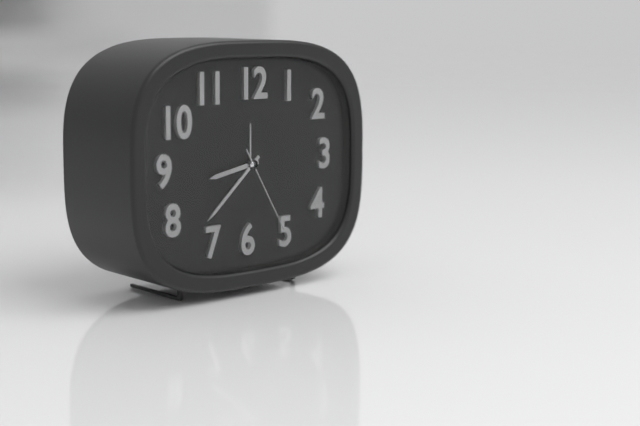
8:38:25
